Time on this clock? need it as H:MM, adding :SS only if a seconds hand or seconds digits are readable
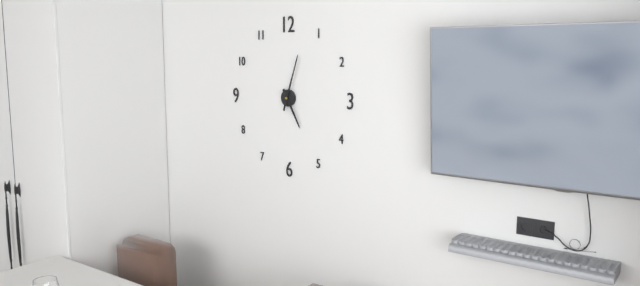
5:03
